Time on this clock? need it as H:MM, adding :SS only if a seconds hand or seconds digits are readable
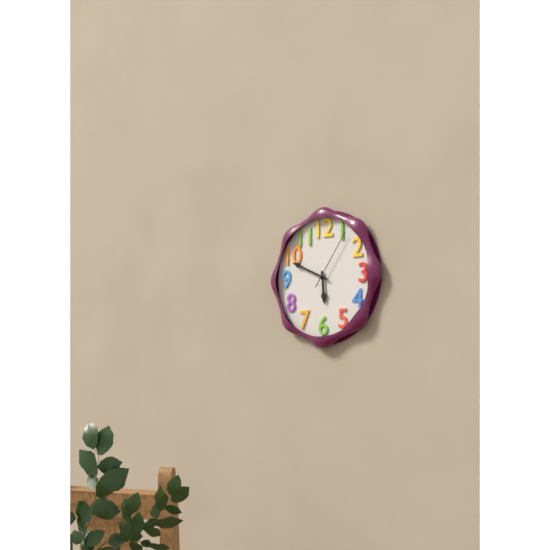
5:49:06
